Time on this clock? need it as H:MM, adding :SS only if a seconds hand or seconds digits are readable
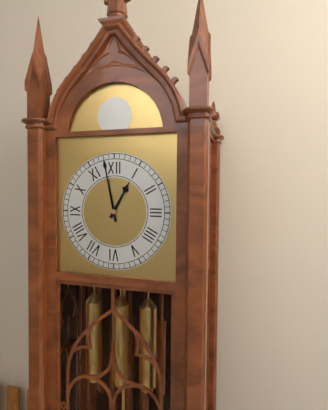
12:58
